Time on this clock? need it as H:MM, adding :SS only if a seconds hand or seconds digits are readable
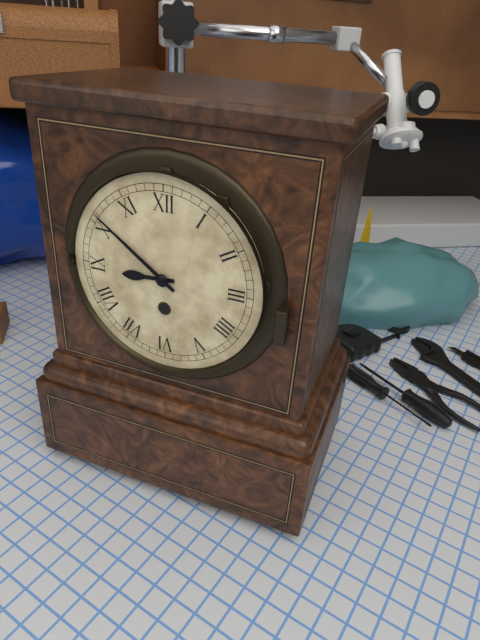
8:51
